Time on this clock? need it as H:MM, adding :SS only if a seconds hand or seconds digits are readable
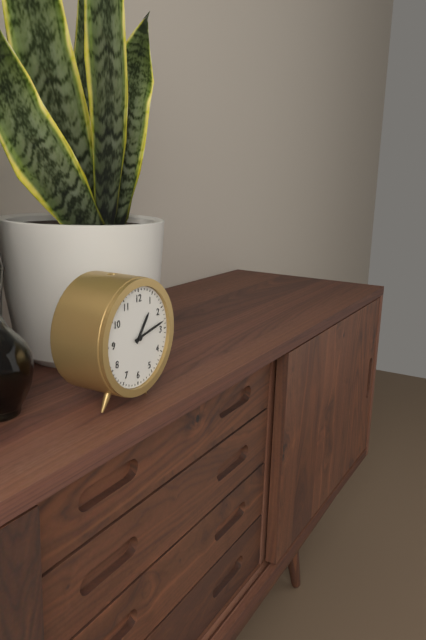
1:13
